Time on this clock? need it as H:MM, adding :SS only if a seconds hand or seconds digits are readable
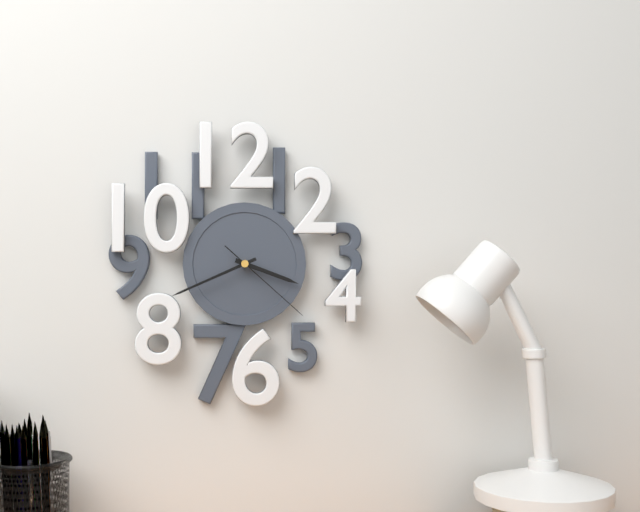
3:41:22
